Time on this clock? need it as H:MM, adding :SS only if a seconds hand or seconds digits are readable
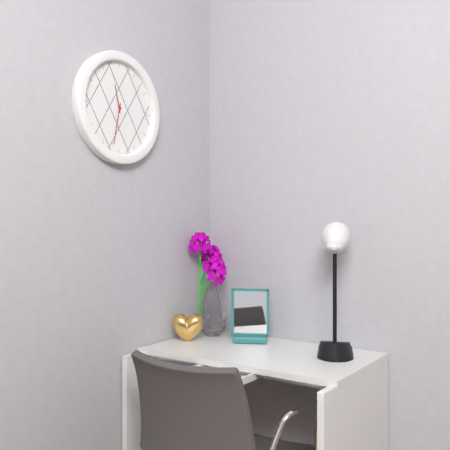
11:32
